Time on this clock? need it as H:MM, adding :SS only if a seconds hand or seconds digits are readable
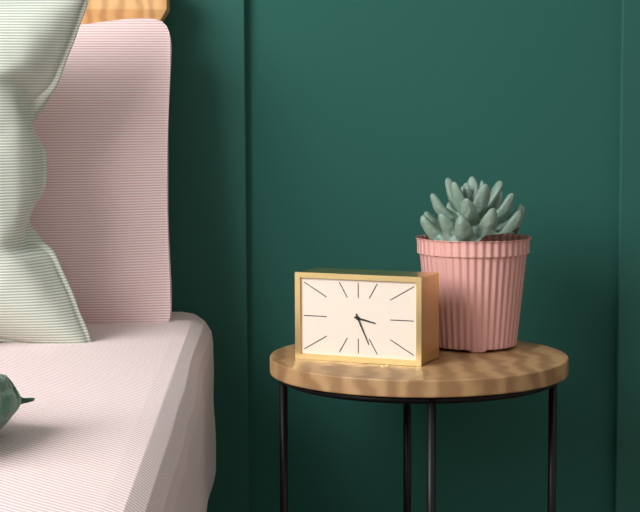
3:26
